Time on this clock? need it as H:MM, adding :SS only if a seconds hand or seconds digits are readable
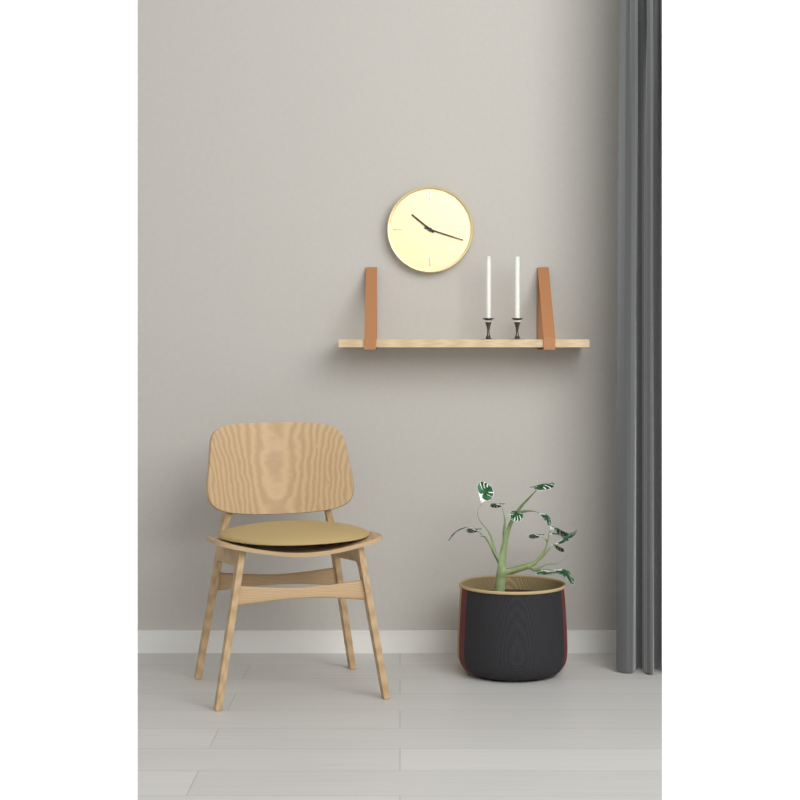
10:18
